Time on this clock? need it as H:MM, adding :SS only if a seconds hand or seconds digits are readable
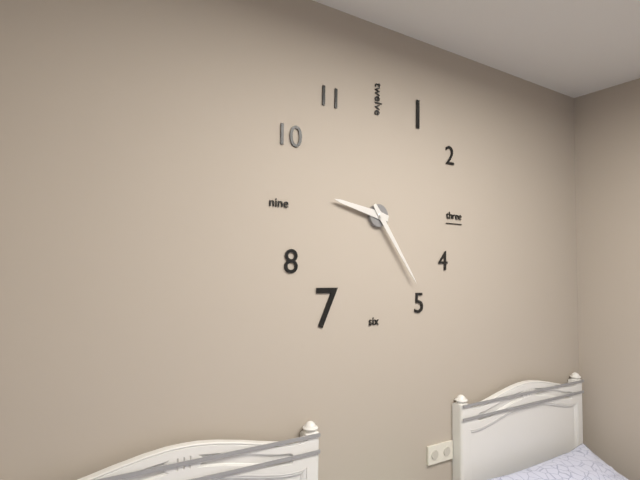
9:24
